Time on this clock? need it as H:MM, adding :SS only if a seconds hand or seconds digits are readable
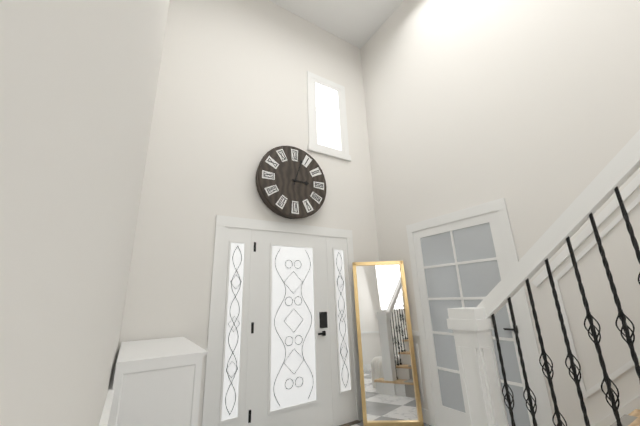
3:03
